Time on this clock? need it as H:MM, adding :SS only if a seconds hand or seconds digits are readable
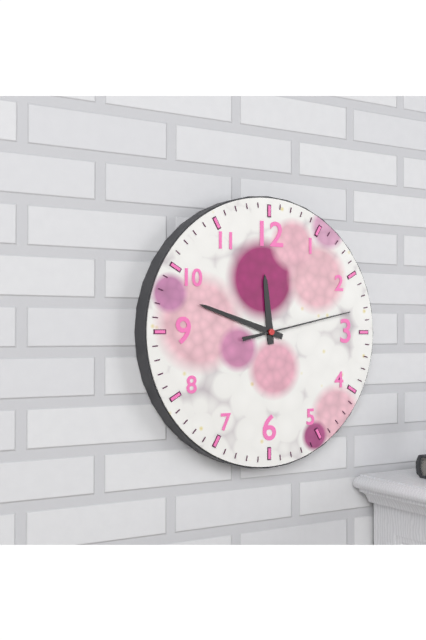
11:48:13
